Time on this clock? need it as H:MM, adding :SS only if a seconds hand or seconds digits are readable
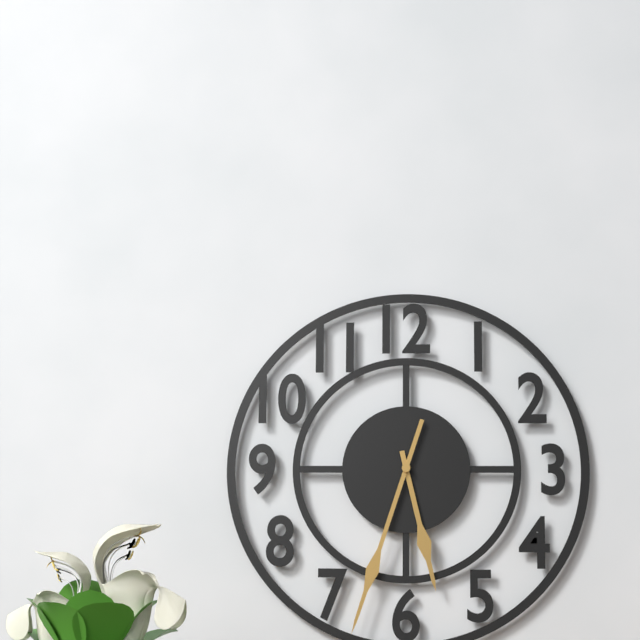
5:33
